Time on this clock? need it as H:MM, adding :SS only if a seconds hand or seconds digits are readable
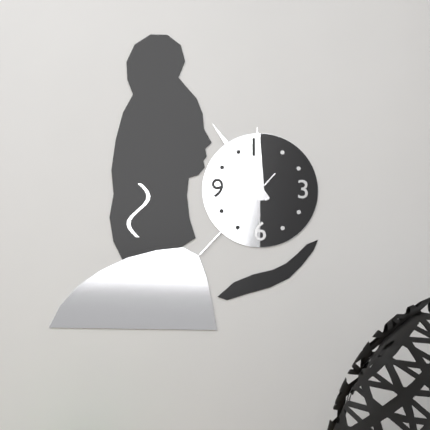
11:54:37
